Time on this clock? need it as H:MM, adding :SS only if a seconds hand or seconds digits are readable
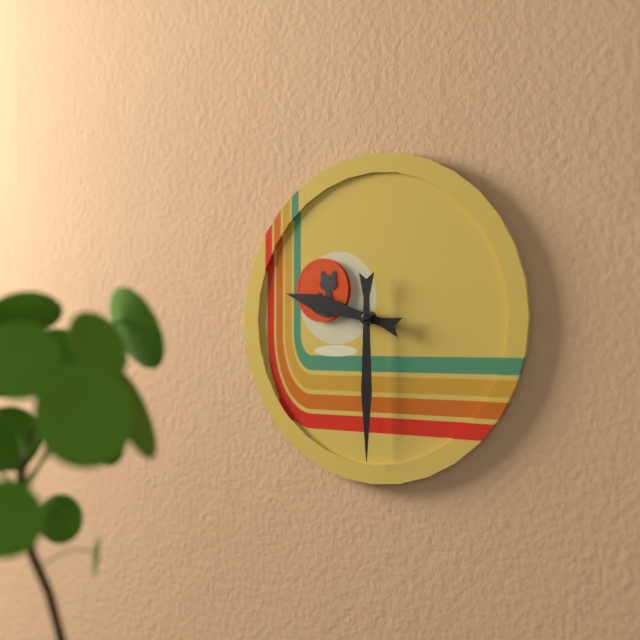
9:30
